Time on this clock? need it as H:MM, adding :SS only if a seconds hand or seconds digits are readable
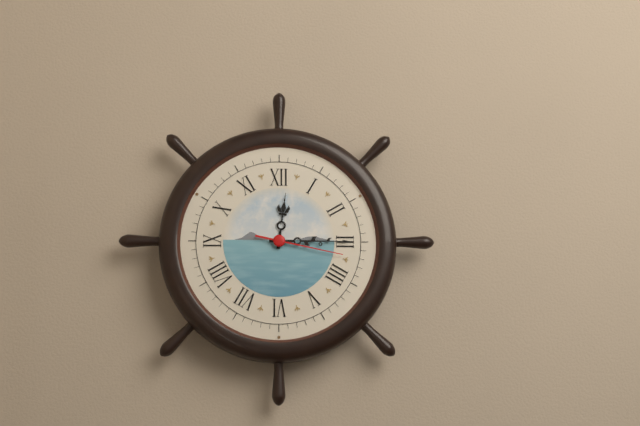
12:15:17
